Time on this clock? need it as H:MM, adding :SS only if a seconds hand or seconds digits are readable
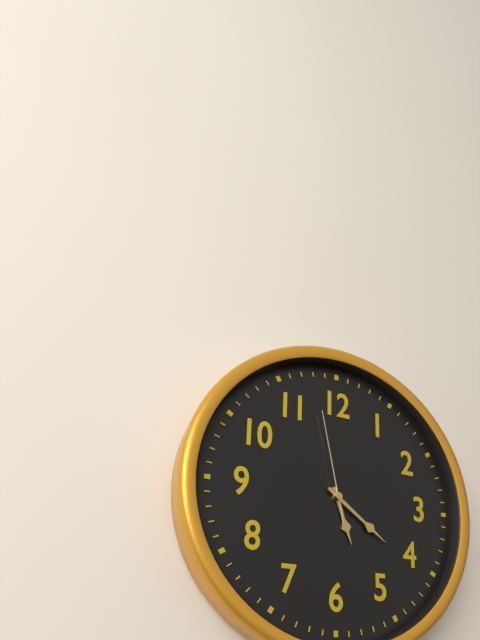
5:21:58
